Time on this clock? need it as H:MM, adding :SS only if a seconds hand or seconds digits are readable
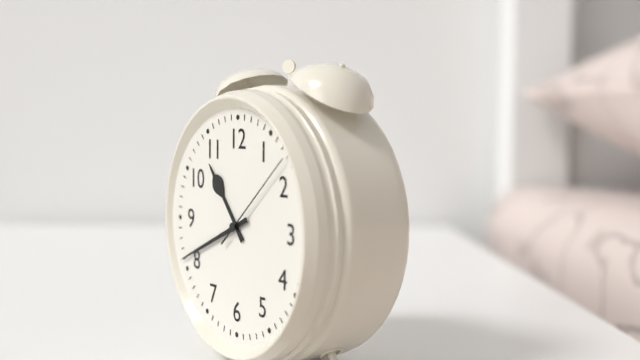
10:41:08
